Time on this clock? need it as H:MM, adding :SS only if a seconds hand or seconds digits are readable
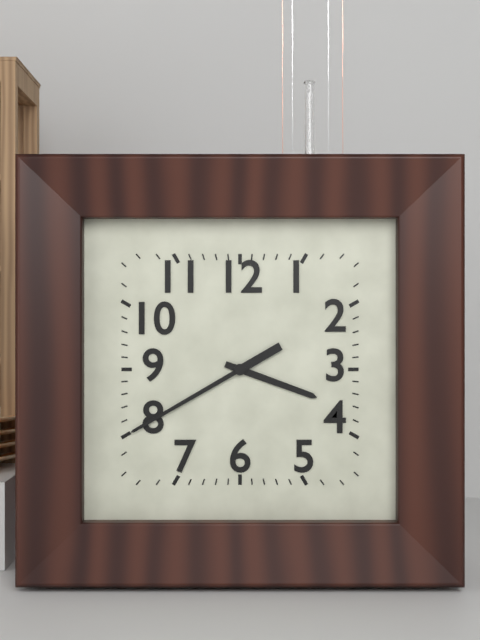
3:40
